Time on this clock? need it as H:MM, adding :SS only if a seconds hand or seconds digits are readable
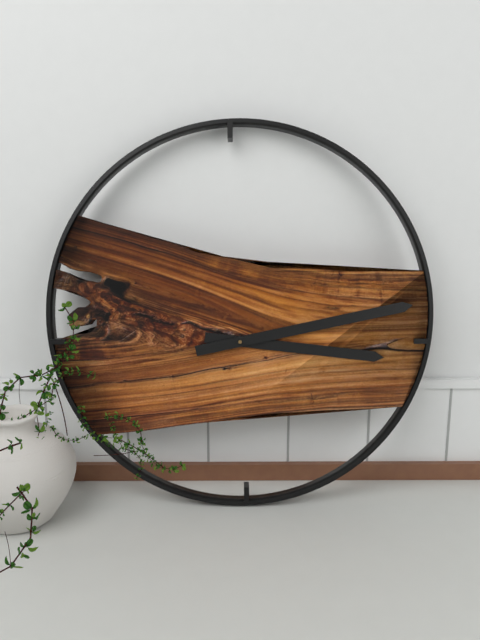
3:13
